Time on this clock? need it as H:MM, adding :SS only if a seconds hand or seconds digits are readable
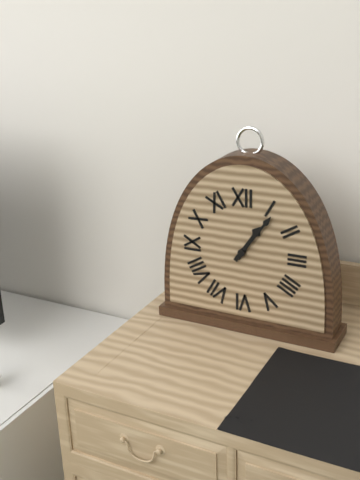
1:06
